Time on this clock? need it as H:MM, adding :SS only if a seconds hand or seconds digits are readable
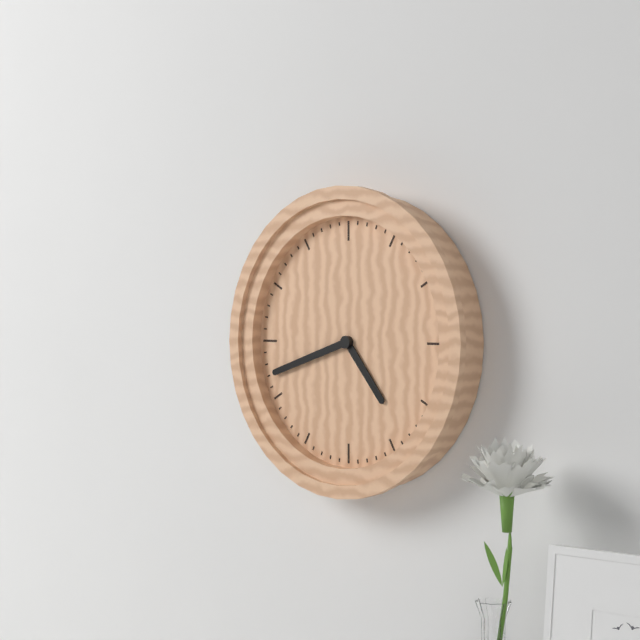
4:42
